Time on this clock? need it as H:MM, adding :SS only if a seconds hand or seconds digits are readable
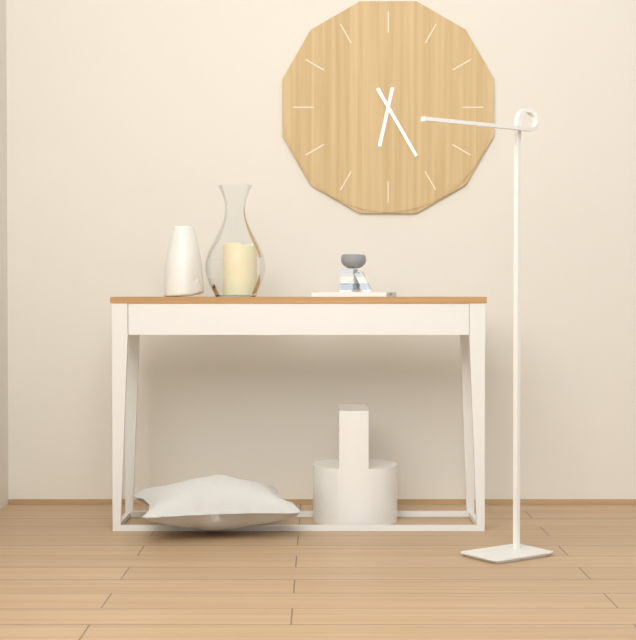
6:25
